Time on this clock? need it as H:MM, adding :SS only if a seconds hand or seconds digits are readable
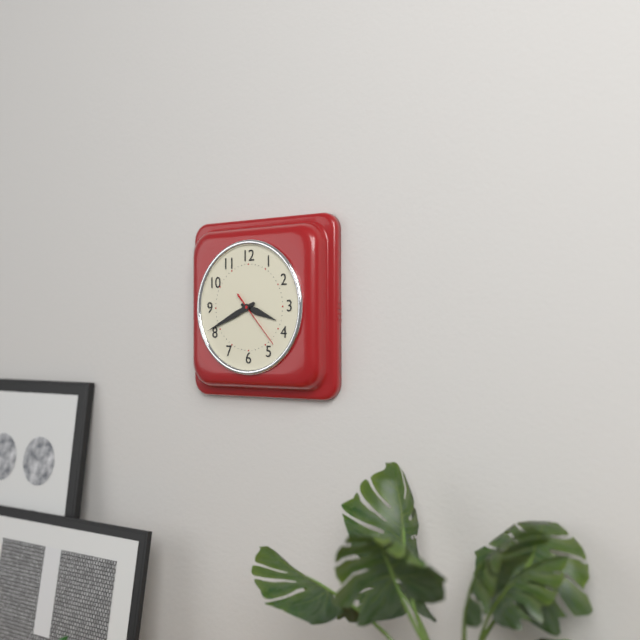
3:41:23
